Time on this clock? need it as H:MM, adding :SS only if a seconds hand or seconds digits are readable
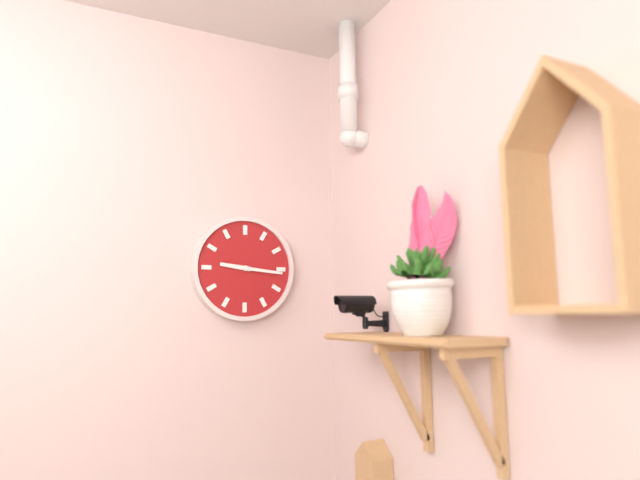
9:16
